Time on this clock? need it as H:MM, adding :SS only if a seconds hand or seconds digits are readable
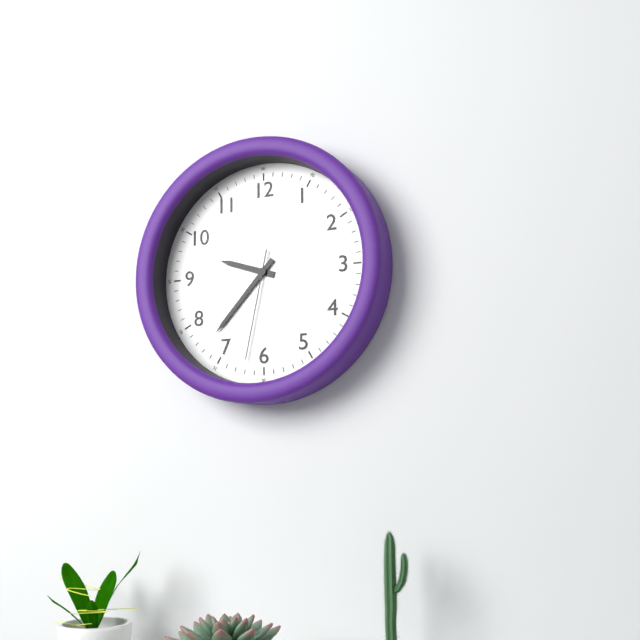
9:37:32
